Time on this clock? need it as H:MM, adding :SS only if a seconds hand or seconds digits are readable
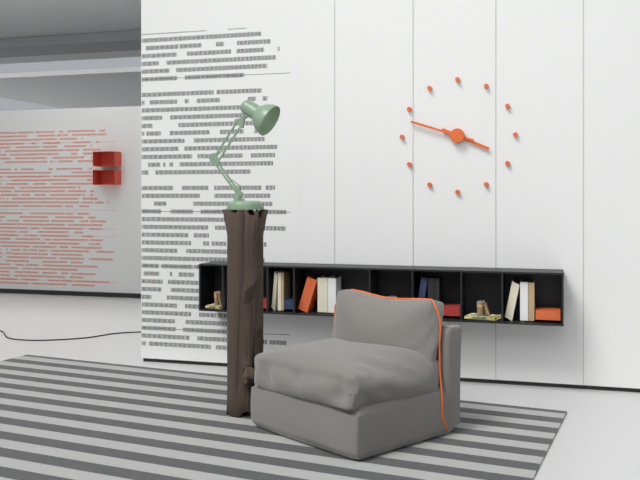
3:48
